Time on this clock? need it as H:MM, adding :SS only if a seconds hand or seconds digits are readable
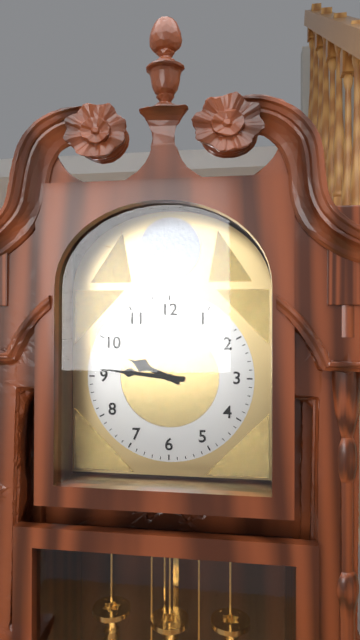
9:46
